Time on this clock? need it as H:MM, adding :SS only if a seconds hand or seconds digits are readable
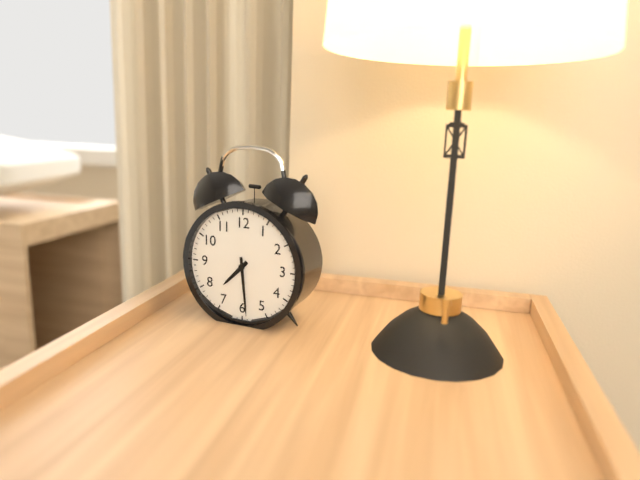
7:29
